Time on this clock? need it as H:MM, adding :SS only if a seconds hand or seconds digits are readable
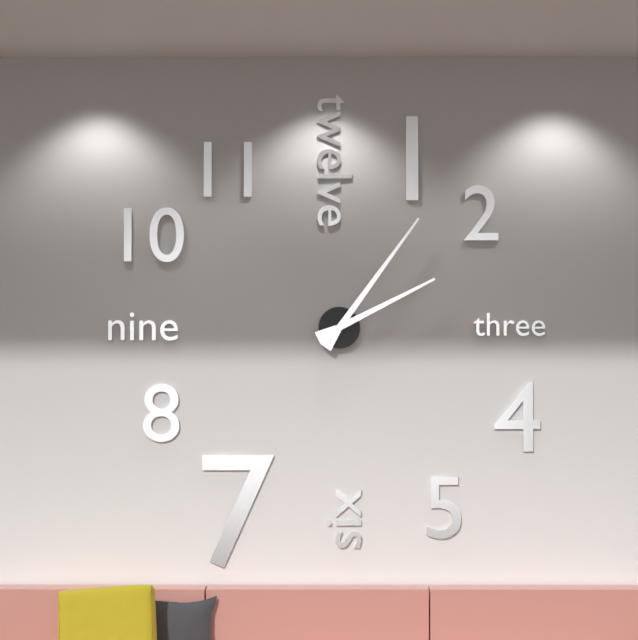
2:06
